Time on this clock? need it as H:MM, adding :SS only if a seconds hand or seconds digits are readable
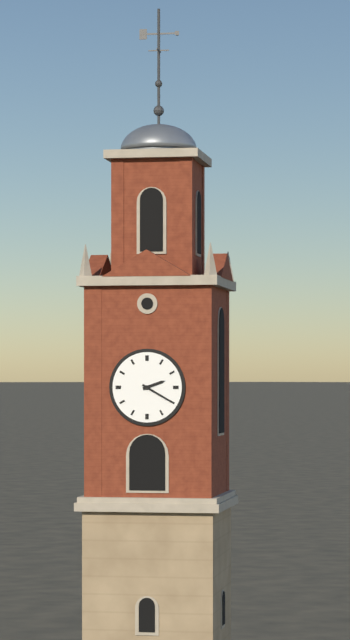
2:20
